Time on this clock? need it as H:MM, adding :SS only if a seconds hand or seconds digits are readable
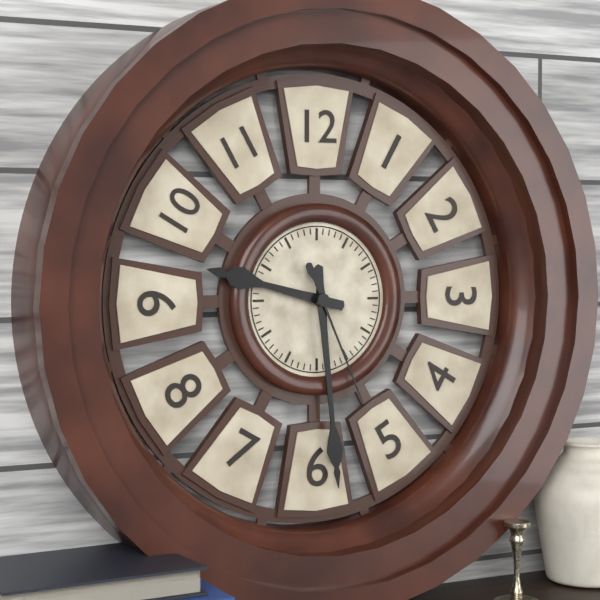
9:29:26
